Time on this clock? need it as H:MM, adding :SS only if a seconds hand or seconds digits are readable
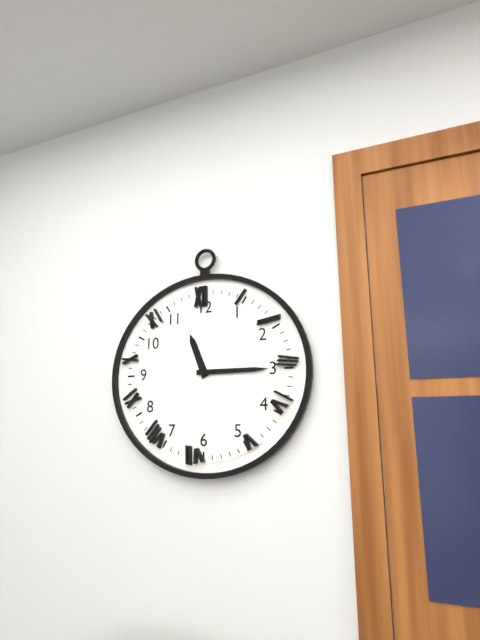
11:15
